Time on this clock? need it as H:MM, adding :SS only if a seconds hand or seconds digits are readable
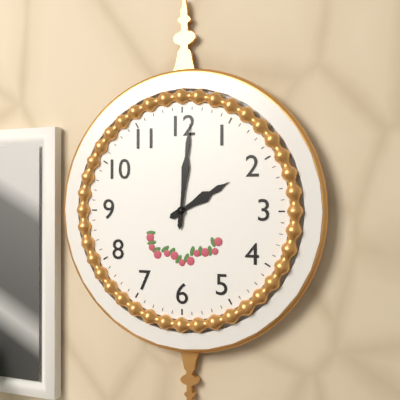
2:01
